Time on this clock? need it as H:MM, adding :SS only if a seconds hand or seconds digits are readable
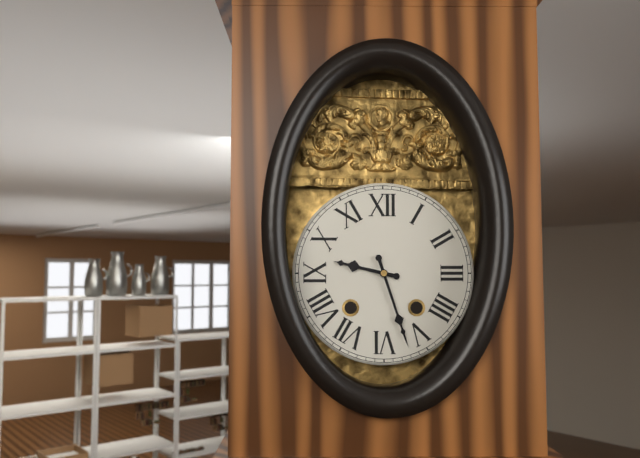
9:27
